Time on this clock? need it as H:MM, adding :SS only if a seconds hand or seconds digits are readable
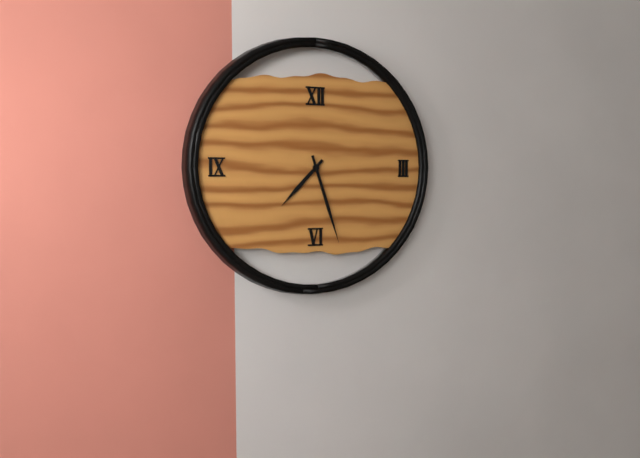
7:27
